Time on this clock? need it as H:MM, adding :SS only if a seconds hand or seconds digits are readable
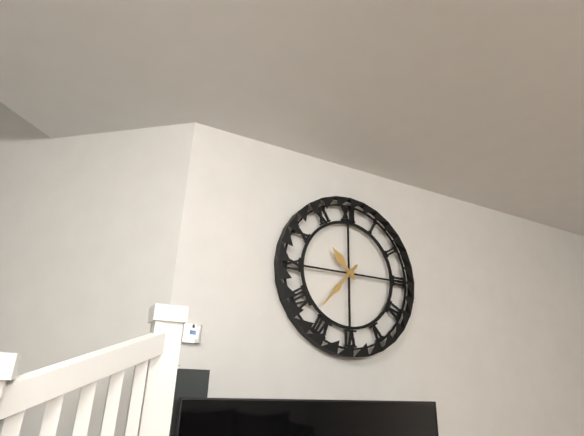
10:37
